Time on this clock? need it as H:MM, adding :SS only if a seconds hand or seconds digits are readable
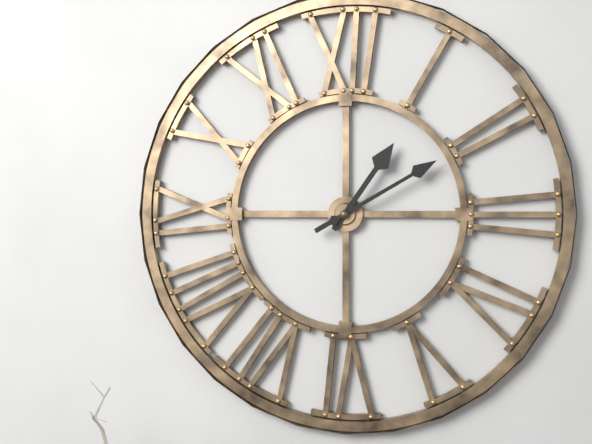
1:10
